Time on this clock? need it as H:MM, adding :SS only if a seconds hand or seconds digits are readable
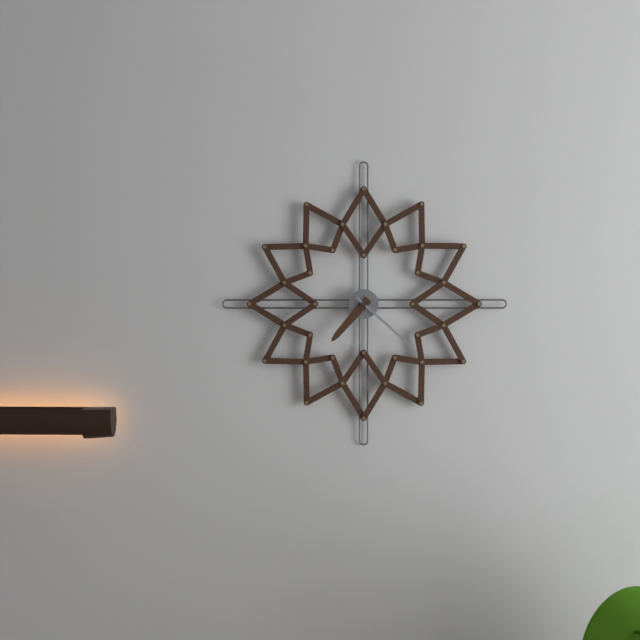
7:22
